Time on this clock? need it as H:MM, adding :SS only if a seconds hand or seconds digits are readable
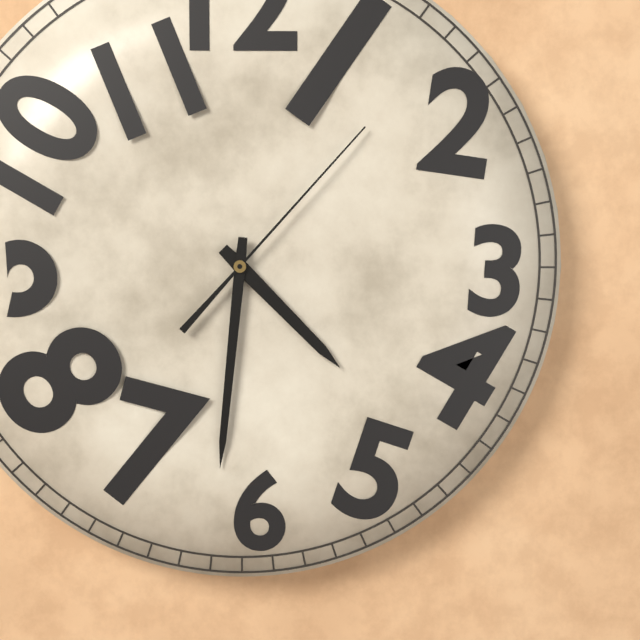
4:31:07
